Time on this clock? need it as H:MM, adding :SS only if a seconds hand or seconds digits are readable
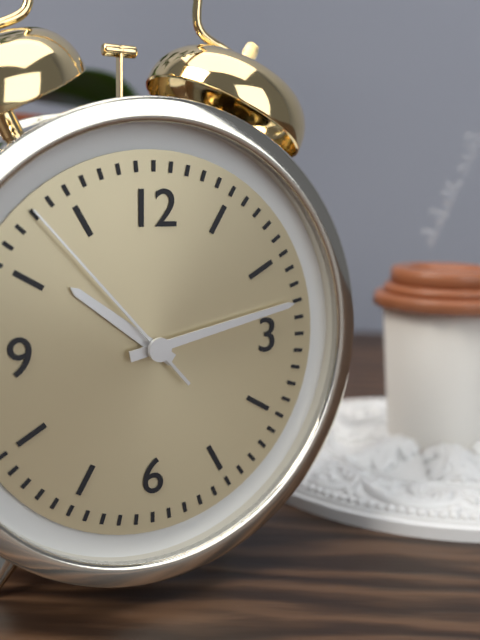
10:13:53
